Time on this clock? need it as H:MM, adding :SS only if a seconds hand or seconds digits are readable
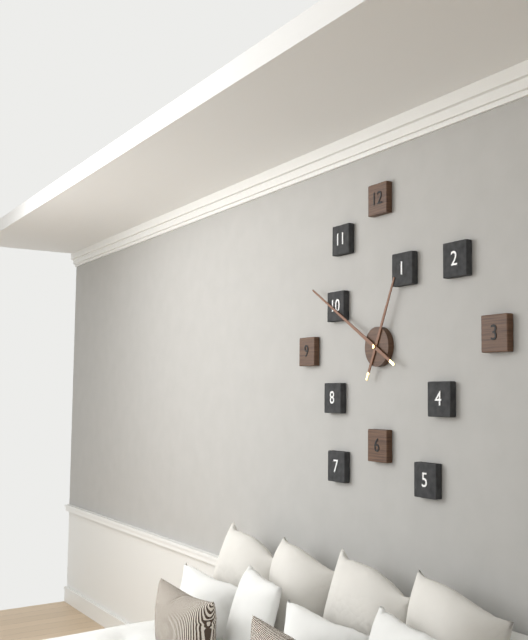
12:50
